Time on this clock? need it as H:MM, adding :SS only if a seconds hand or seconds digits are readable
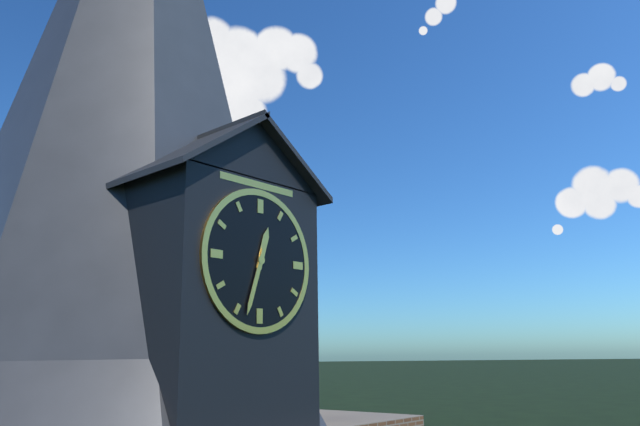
12:33
